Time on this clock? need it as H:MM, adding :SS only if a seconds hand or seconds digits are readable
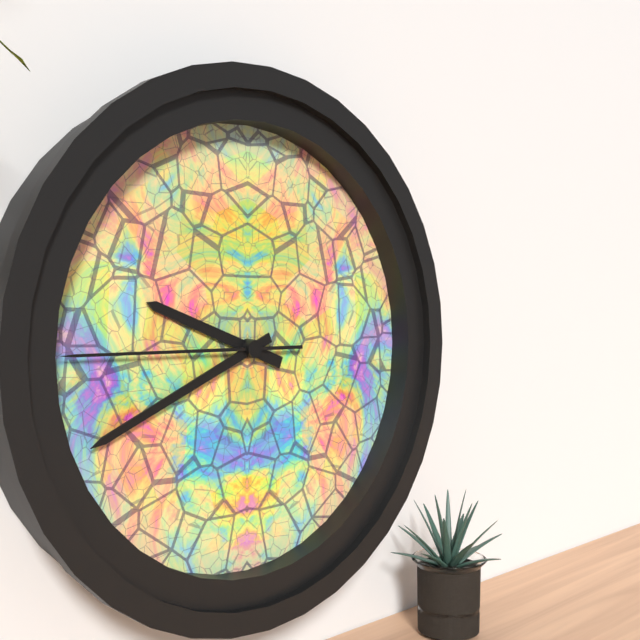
9:41:45
